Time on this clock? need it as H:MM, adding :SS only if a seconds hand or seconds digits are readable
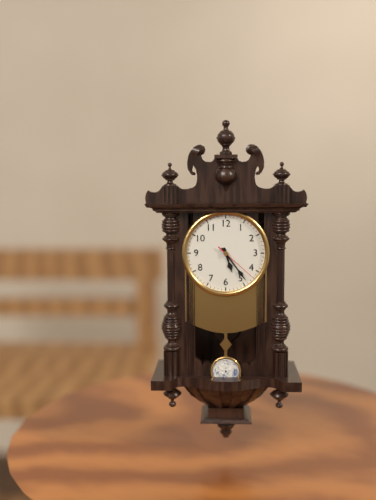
5:24
